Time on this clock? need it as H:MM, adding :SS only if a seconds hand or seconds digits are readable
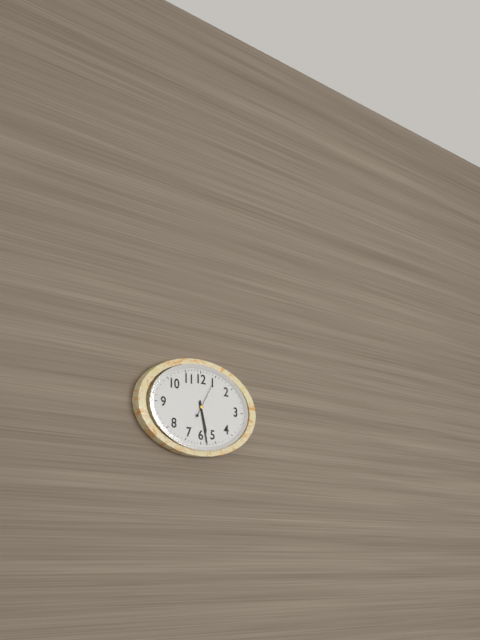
5:28
